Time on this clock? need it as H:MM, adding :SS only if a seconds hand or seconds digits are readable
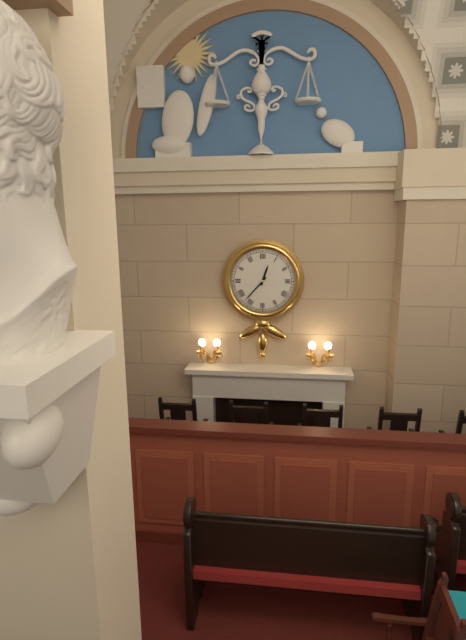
12:37
